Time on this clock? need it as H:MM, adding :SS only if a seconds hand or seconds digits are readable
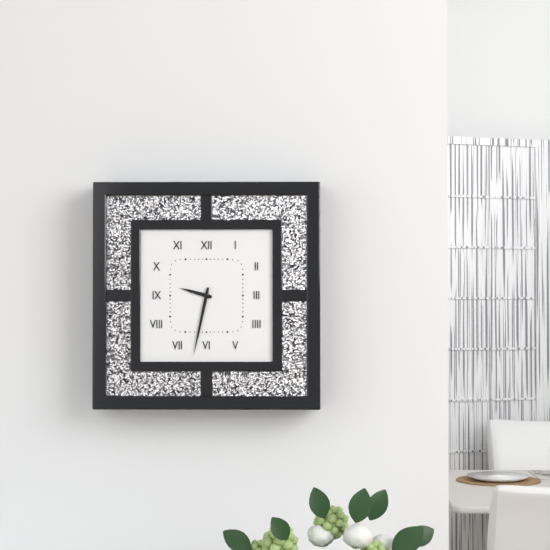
9:32
